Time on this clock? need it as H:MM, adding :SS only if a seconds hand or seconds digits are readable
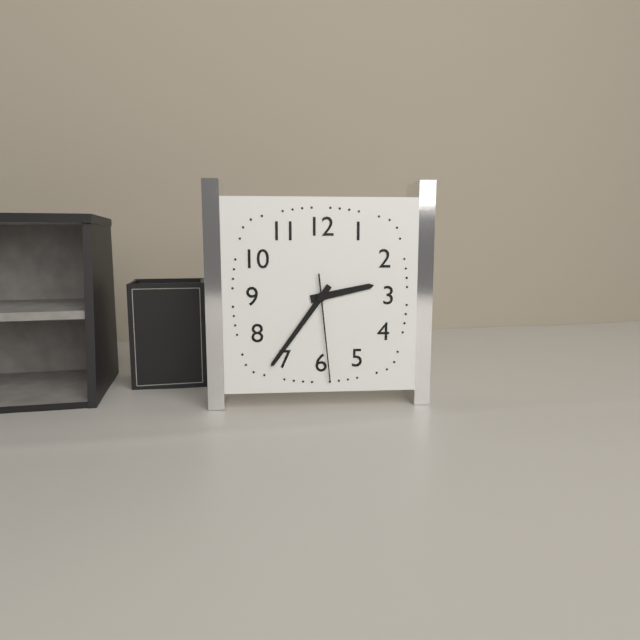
2:36:29
